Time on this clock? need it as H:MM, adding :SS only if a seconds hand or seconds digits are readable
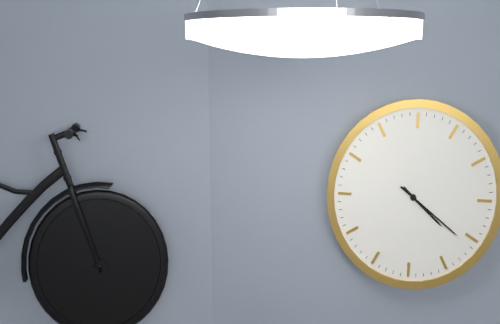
4:21
